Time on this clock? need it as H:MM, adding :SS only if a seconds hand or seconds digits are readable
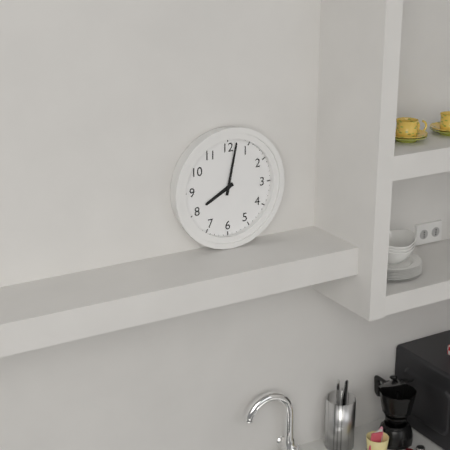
8:02
